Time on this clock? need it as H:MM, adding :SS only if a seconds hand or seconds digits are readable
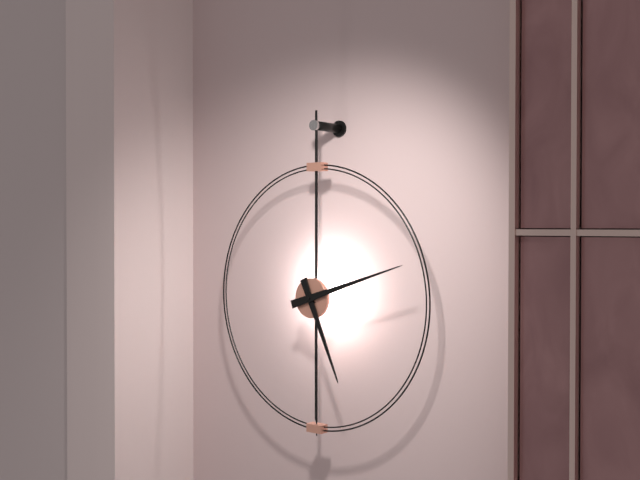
5:12
